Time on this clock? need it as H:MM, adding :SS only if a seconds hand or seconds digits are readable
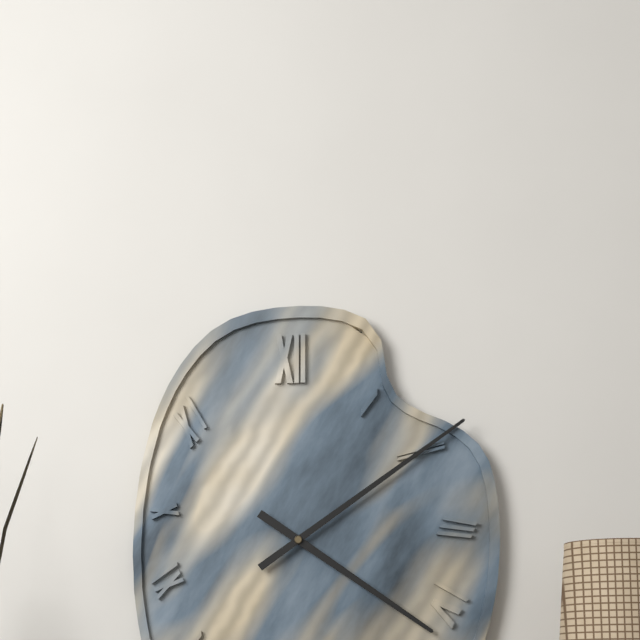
4:09
